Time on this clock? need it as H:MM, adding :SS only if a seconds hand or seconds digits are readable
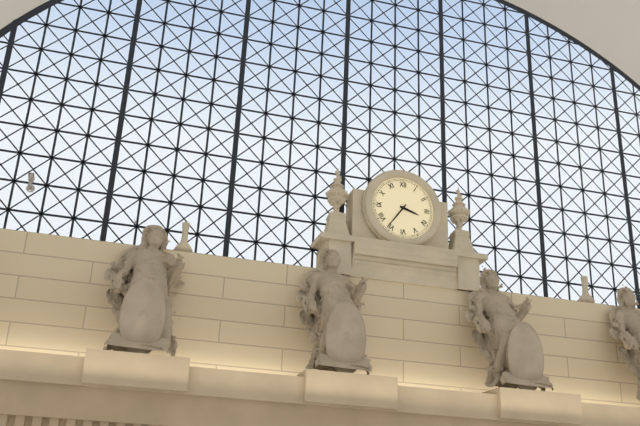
3:36
